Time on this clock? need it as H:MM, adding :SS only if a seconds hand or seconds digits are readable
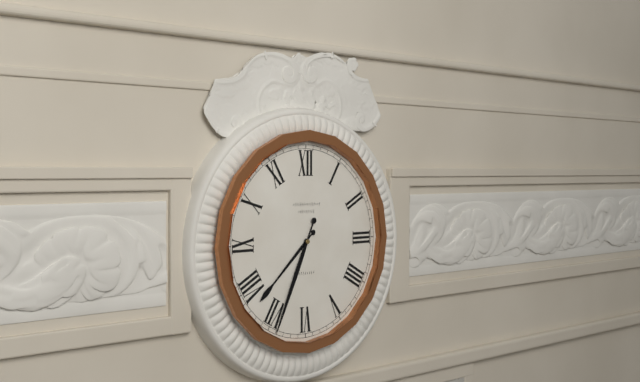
7:34
